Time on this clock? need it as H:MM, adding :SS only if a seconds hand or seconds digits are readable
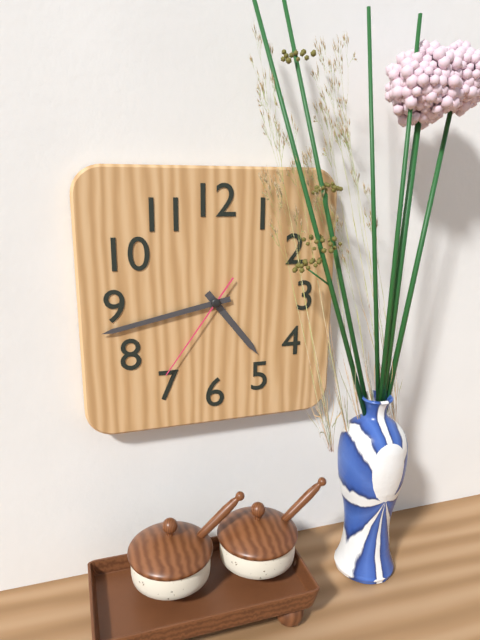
4:43:36
